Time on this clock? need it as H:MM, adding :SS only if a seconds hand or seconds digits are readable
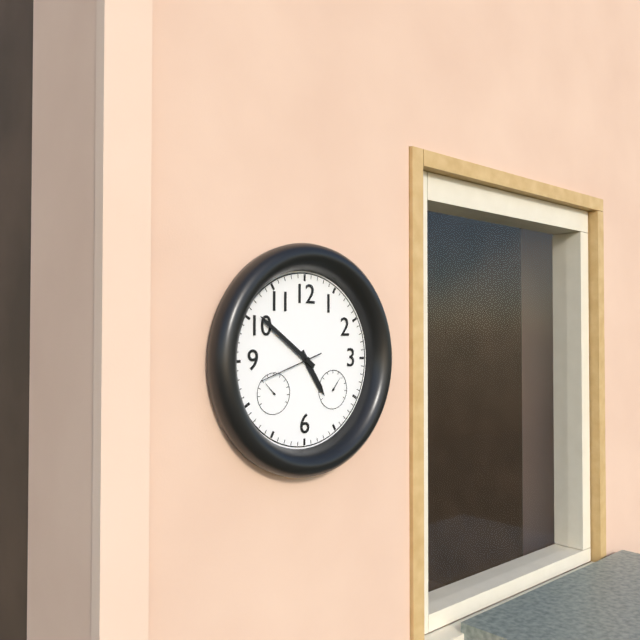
4:51:42
